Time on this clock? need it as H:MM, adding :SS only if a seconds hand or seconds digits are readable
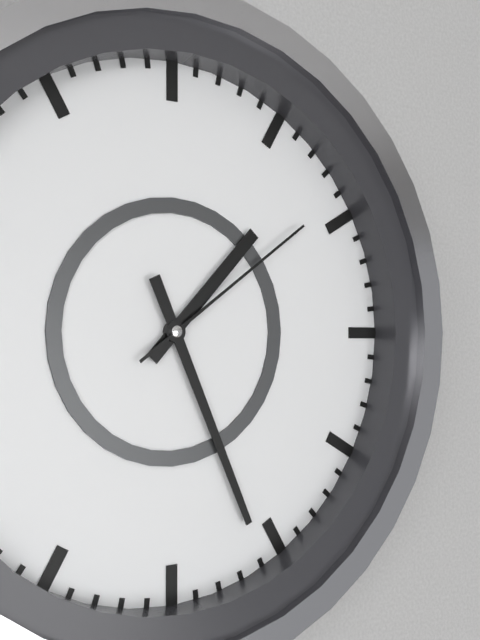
1:26:09
